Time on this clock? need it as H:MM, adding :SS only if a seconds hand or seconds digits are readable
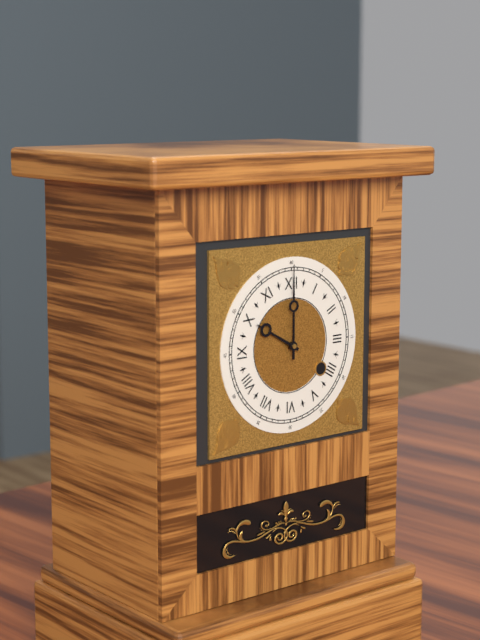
10:00
